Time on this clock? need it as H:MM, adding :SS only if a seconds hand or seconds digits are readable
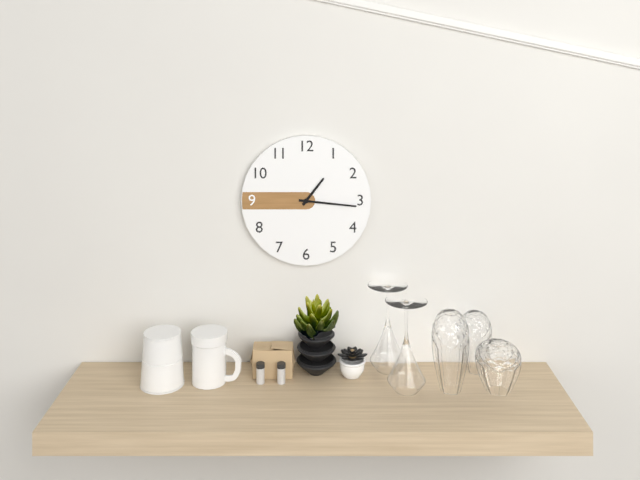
1:16
